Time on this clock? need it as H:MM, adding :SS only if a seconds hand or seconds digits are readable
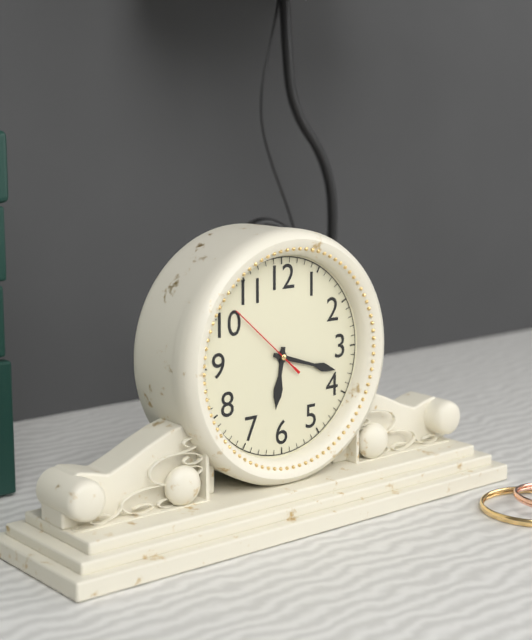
6:18:52
